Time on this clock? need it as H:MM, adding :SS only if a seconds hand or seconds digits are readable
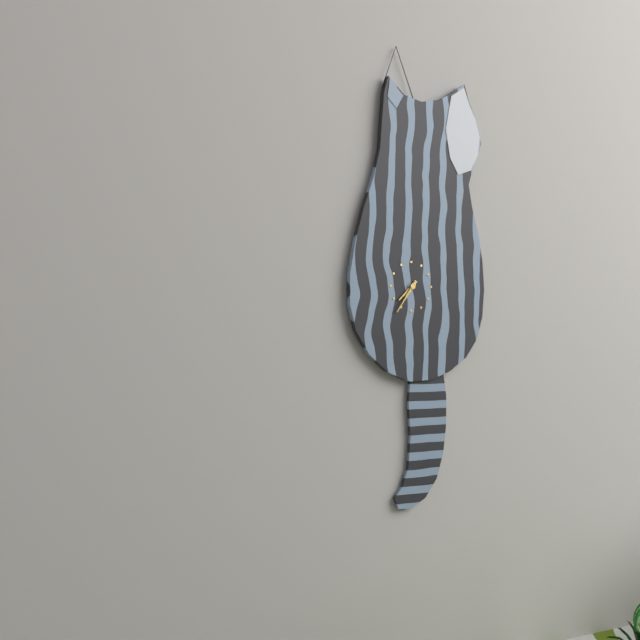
7:36
